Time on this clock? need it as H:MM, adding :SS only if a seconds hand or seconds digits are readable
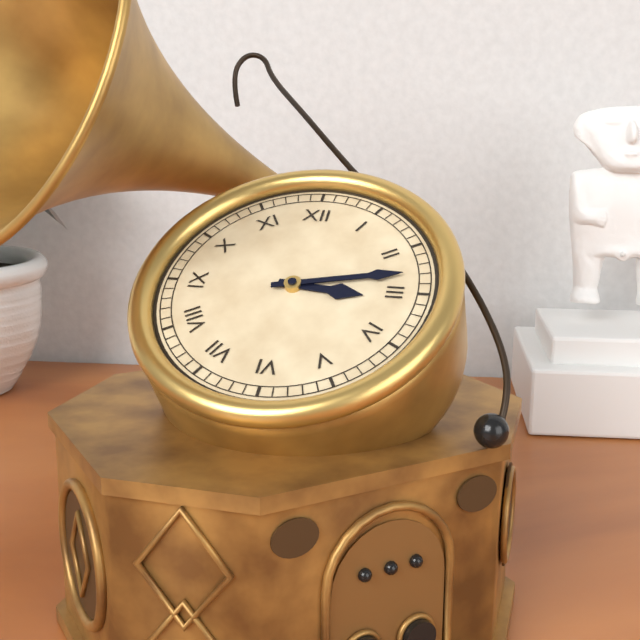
3:13
